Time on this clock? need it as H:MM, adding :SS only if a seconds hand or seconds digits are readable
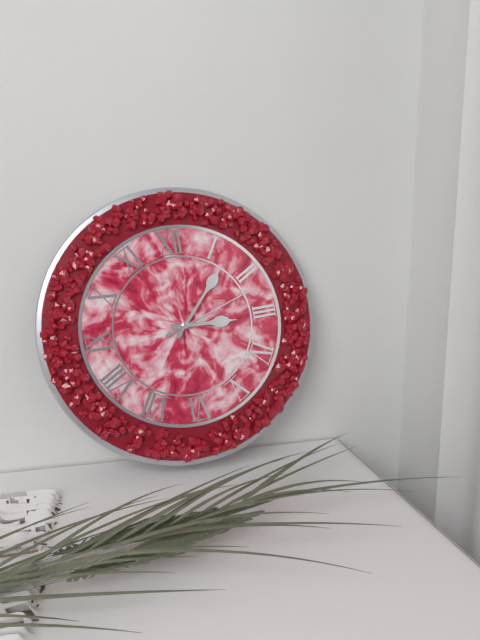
3:07:12
